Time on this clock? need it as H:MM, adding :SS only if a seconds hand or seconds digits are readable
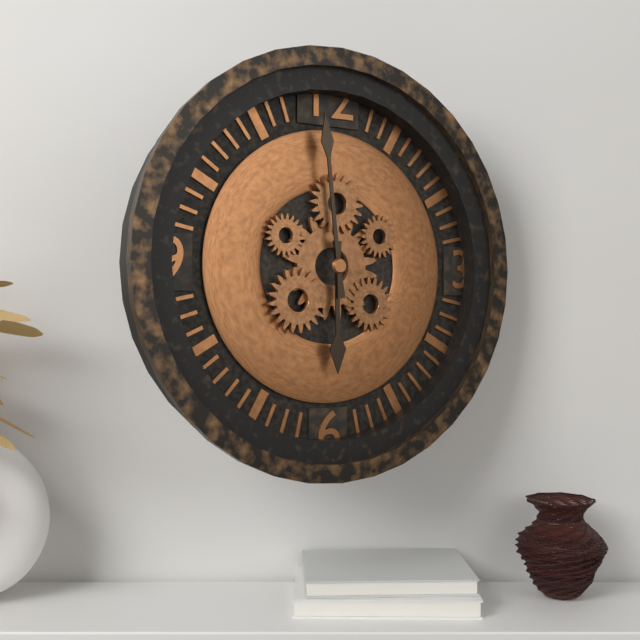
5:59
